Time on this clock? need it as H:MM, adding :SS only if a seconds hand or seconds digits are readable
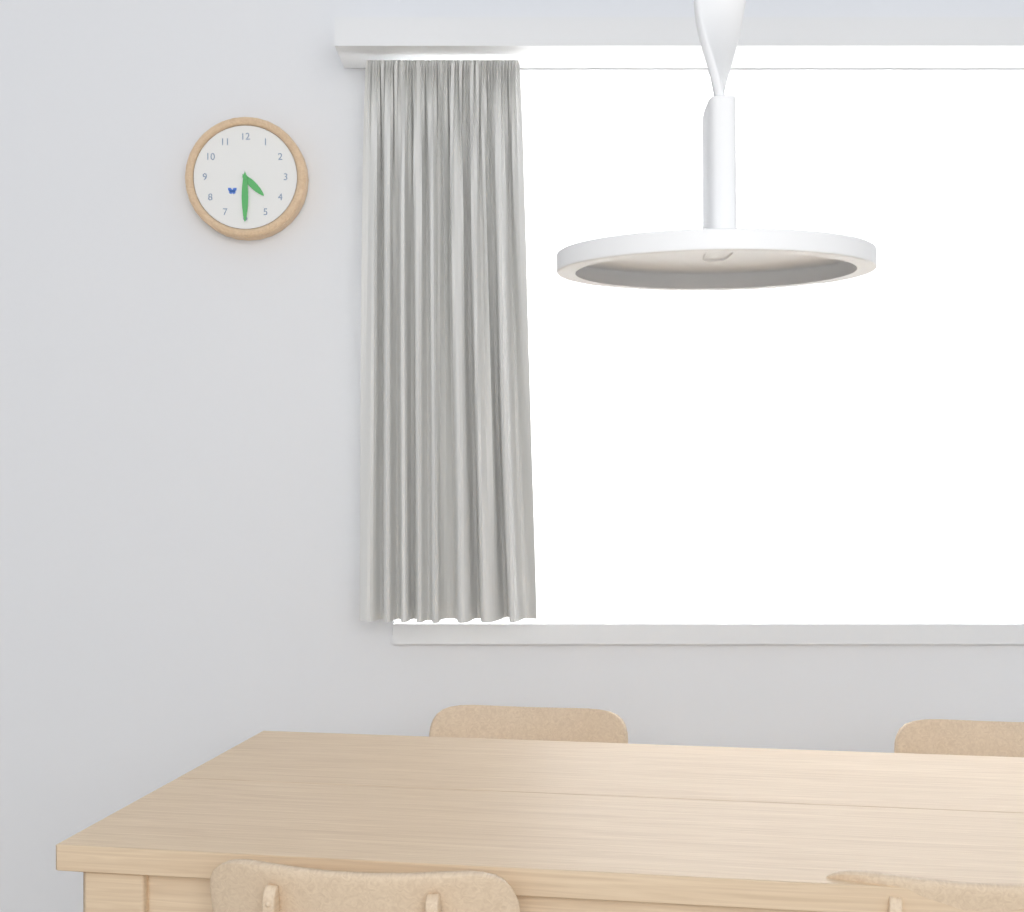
4:30
